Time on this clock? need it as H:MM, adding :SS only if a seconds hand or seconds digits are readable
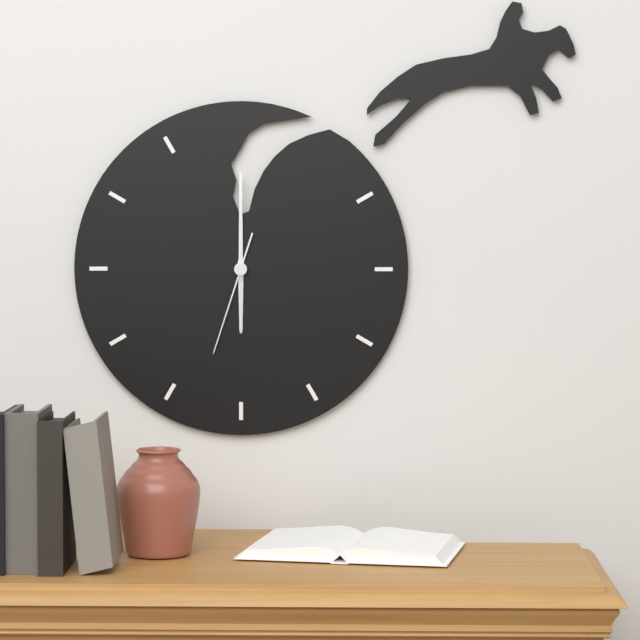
6:00:33
